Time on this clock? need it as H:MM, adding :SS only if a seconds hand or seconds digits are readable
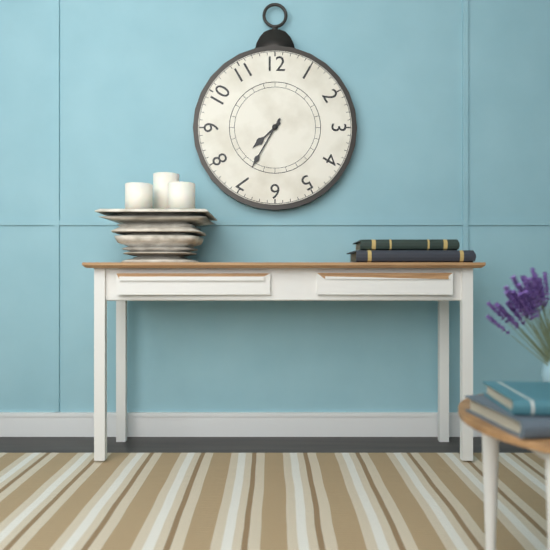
7:35
